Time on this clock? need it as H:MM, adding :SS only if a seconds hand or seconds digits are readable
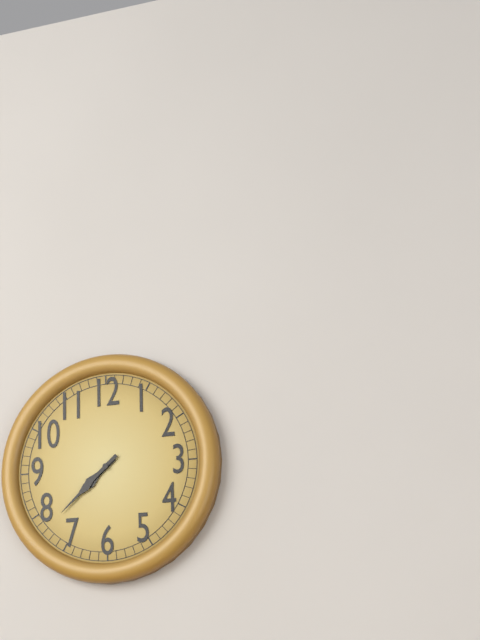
7:38
